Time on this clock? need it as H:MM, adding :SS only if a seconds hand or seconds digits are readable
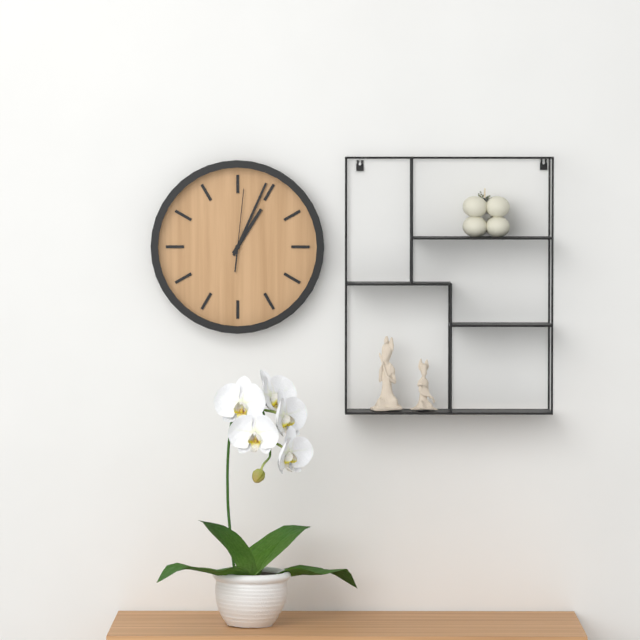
1:04:01
